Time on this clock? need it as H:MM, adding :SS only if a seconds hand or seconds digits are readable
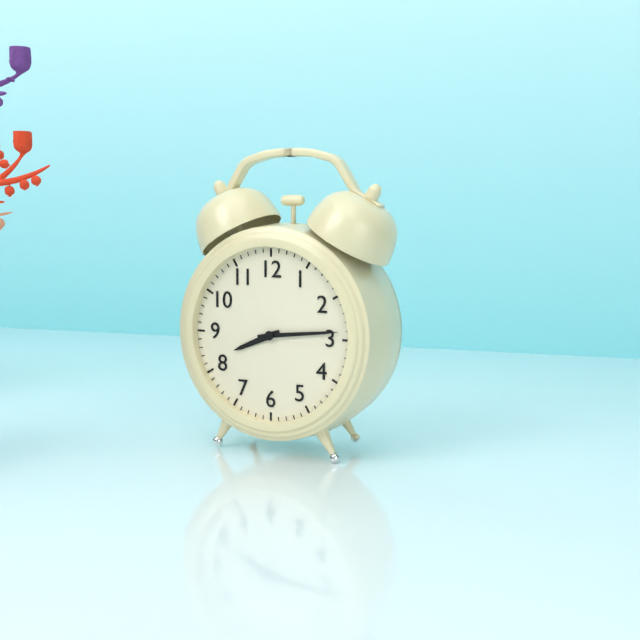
8:14
